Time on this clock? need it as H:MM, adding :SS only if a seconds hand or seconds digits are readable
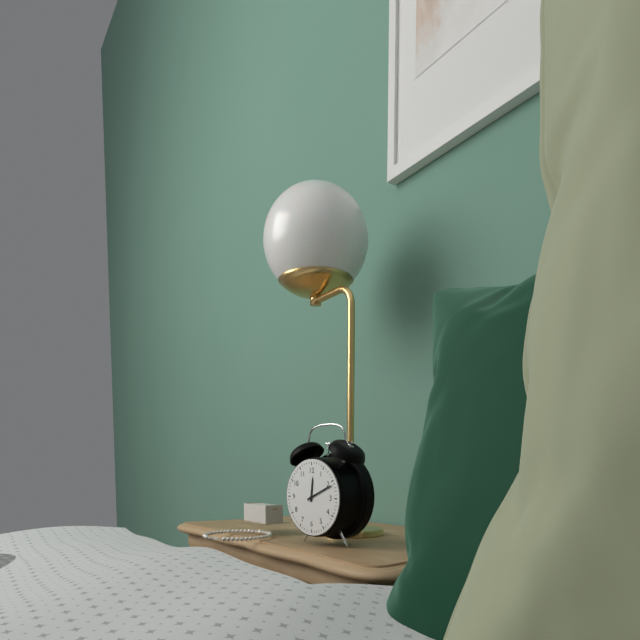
12:11
